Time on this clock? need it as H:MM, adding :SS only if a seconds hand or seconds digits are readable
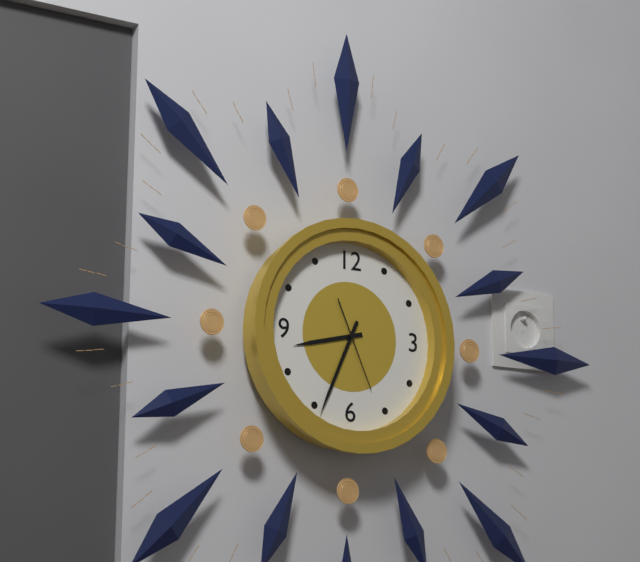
8:34:26
